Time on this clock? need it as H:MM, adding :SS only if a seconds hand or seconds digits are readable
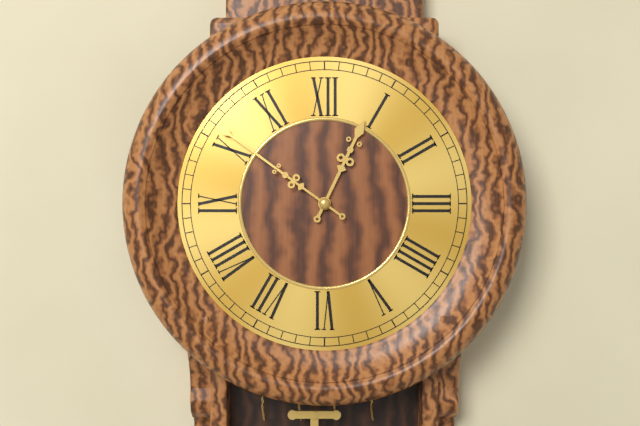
12:51
